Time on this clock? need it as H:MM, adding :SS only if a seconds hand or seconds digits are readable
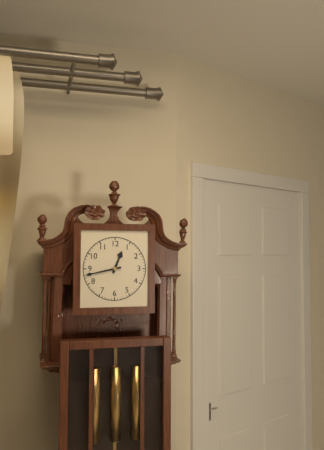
12:43
